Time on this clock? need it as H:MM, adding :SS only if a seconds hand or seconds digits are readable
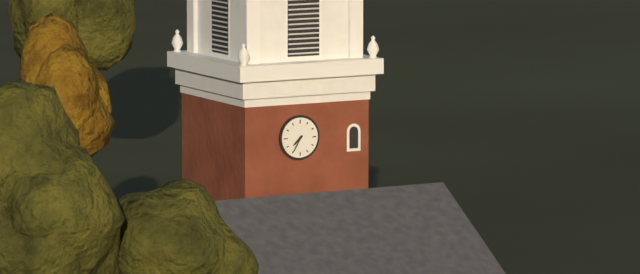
7:35
